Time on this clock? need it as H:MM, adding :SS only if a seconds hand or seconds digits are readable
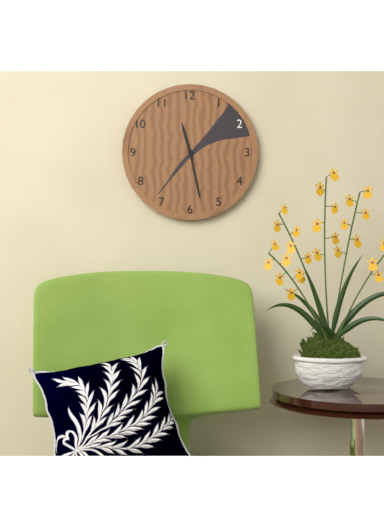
11:28
